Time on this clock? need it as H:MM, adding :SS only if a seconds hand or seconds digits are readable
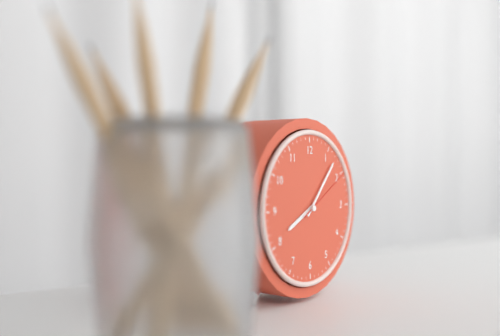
8:07:10
